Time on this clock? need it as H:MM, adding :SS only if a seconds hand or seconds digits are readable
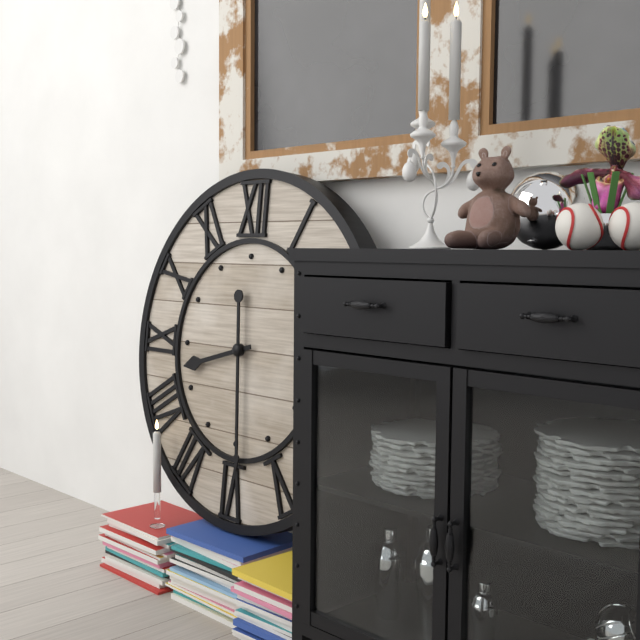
8:29
